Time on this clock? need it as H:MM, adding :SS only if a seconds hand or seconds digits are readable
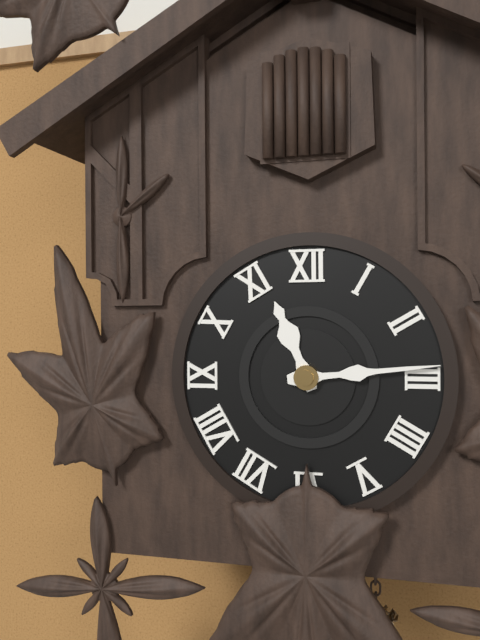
11:14
